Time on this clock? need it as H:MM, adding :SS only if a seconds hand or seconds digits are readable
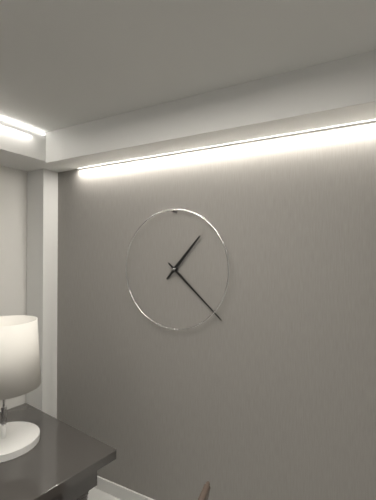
1:22
